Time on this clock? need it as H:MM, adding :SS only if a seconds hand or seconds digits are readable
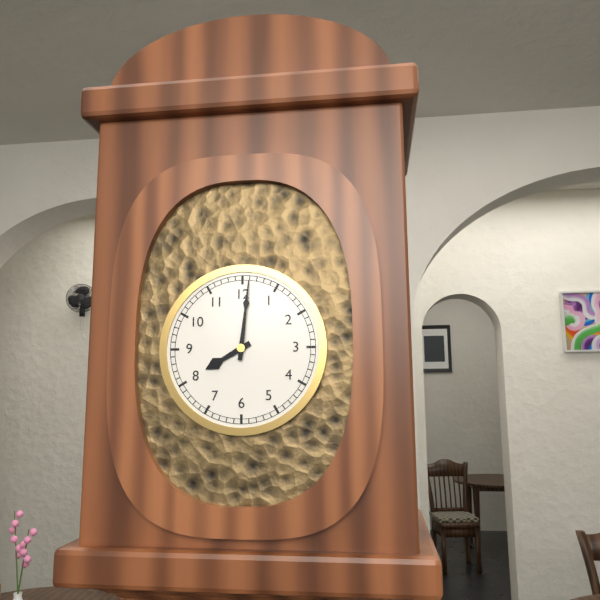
8:01
